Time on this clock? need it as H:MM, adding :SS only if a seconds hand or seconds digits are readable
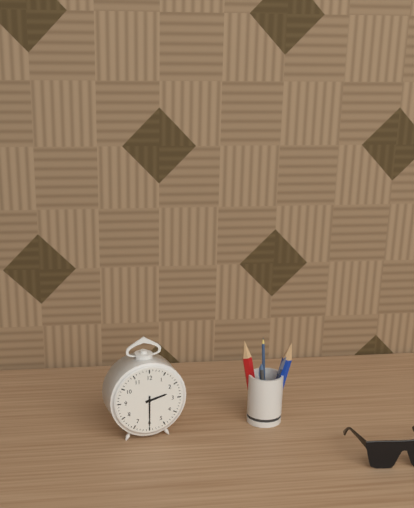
2:30
